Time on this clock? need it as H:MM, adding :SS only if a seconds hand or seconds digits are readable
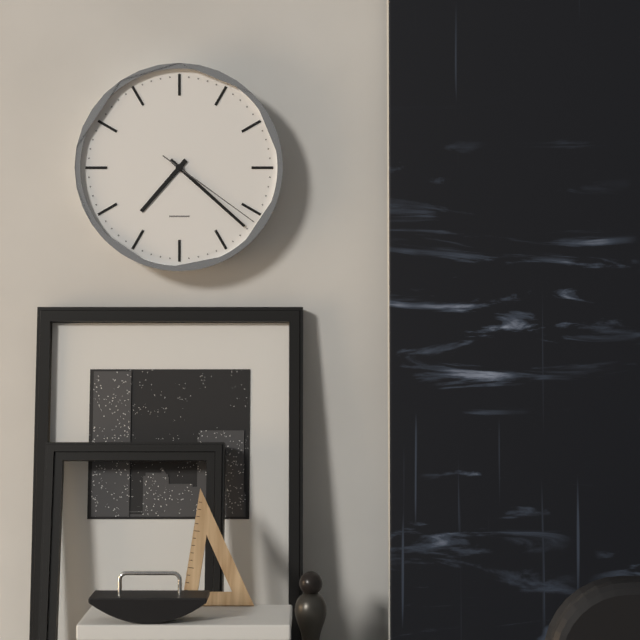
7:22:21
